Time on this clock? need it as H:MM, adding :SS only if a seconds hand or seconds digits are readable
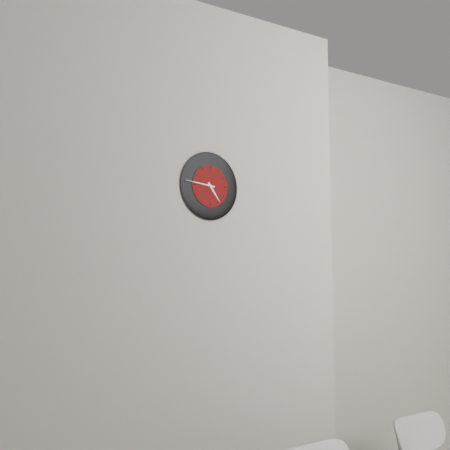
4:46
